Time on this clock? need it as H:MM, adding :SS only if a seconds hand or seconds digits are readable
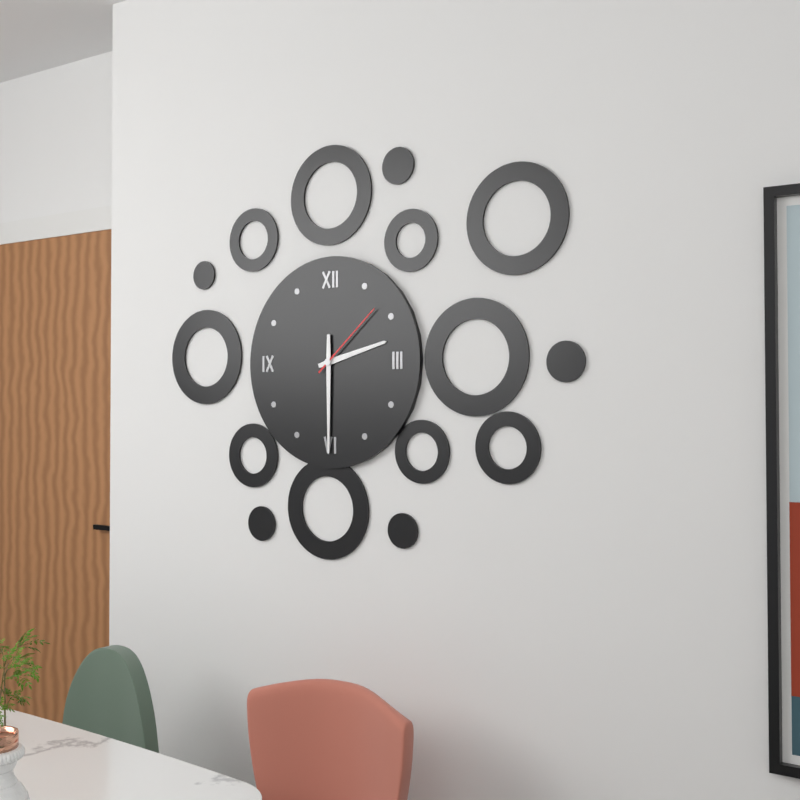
2:30:08
